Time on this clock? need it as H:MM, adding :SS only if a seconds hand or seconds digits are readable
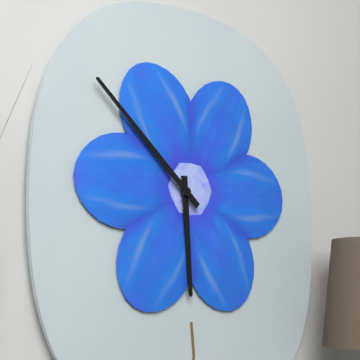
5:52
